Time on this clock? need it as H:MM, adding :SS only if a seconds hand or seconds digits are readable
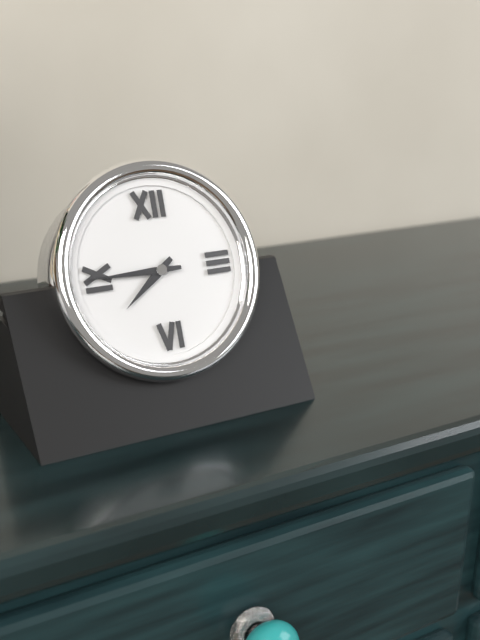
7:45
